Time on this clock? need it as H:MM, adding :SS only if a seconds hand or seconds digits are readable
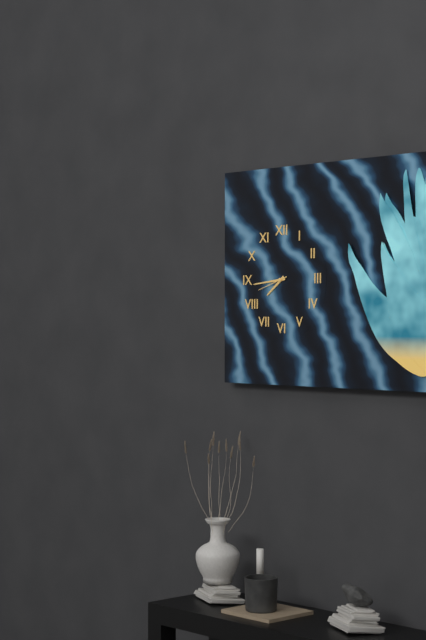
7:44
